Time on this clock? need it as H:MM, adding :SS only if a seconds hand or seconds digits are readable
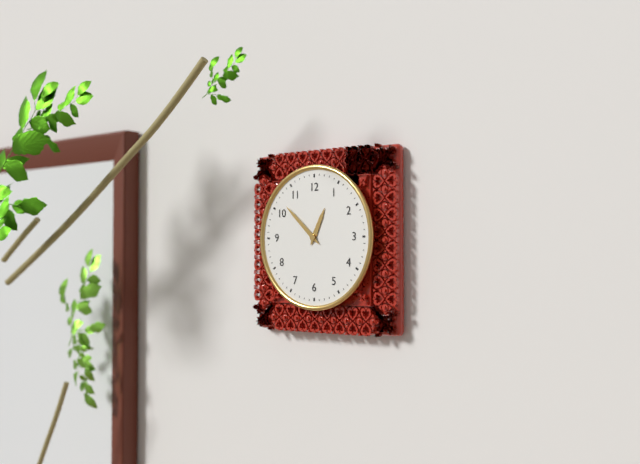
12:52
